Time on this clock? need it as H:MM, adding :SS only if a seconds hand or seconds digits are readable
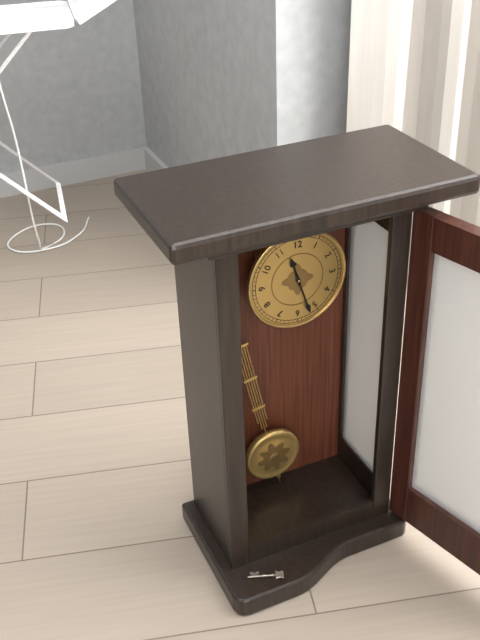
11:27
